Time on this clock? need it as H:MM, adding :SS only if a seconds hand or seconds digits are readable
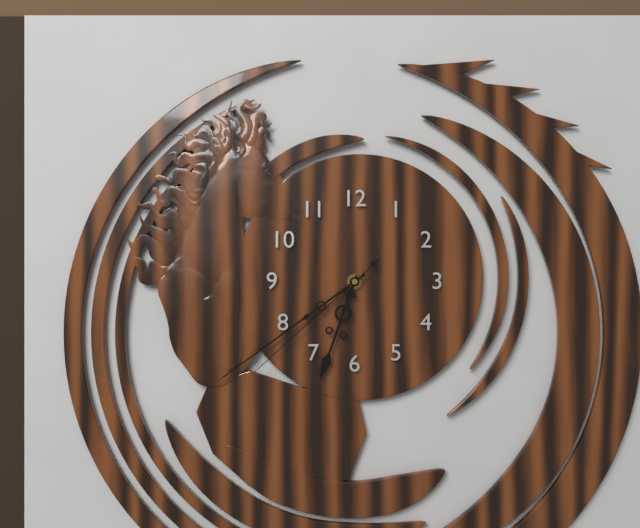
6:39:38
